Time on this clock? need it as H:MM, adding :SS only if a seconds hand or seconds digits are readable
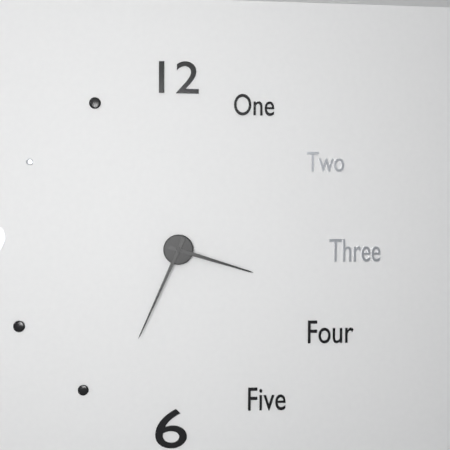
3:34
